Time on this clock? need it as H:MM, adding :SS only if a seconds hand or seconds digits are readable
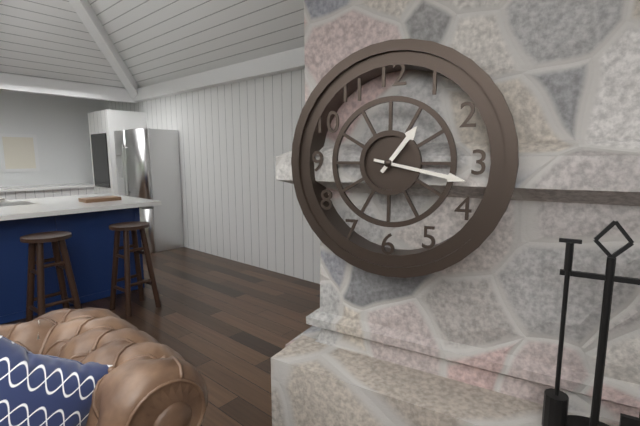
1:17
